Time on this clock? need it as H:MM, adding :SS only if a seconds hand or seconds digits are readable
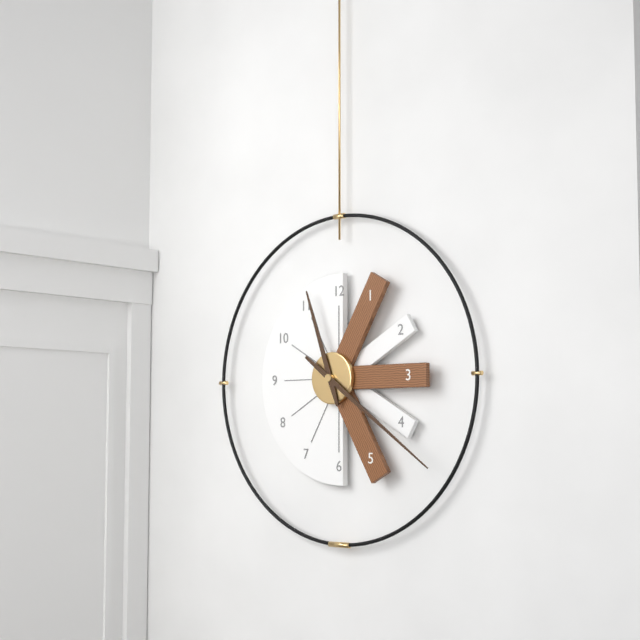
11:21
